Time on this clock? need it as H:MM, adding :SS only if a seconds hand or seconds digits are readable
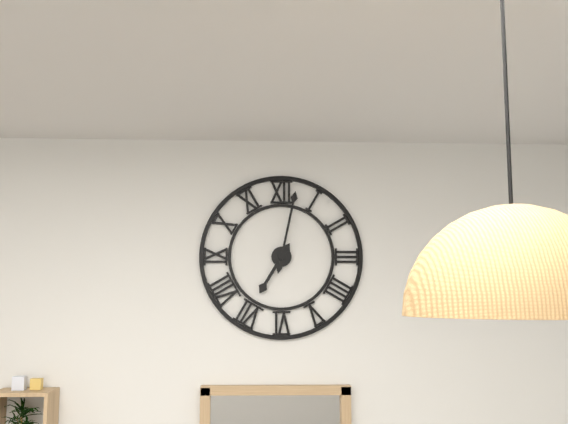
7:02
